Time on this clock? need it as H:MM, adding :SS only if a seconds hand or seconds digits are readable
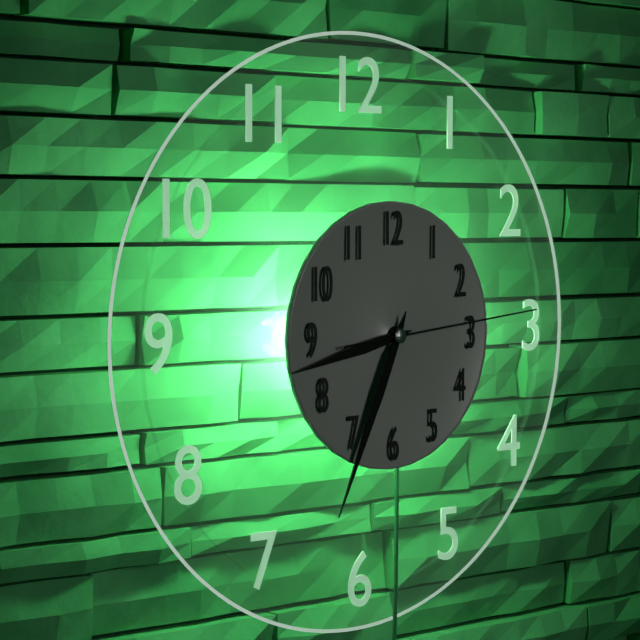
8:34:14
